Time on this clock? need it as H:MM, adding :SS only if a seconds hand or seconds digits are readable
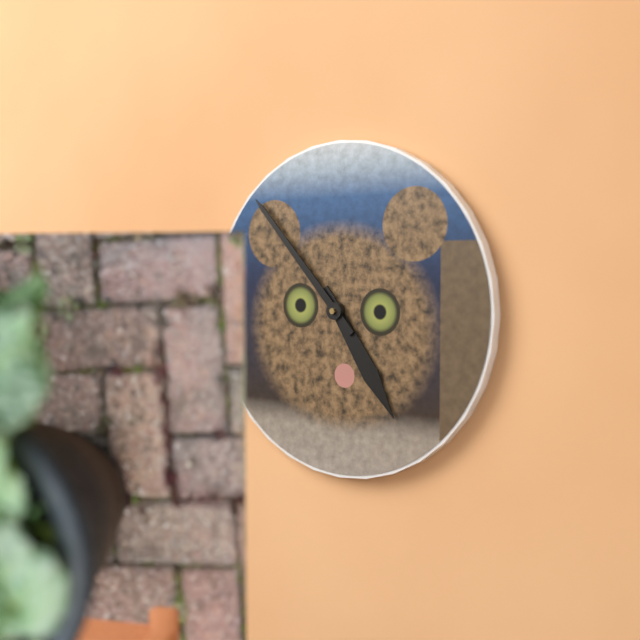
4:53
